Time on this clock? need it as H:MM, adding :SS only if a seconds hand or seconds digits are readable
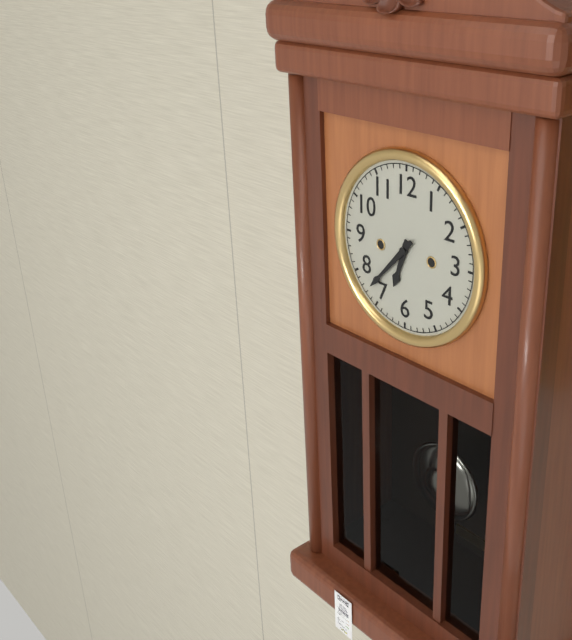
6:37
